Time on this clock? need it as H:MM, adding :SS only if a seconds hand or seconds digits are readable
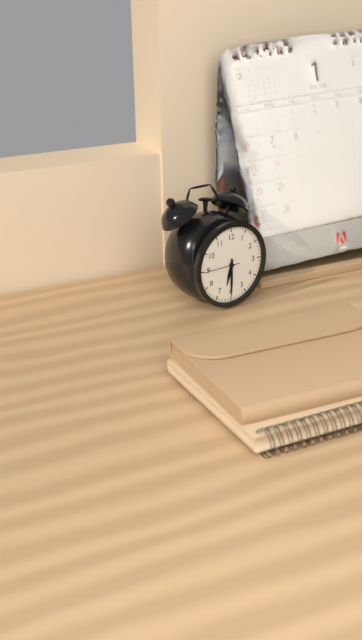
6:30
